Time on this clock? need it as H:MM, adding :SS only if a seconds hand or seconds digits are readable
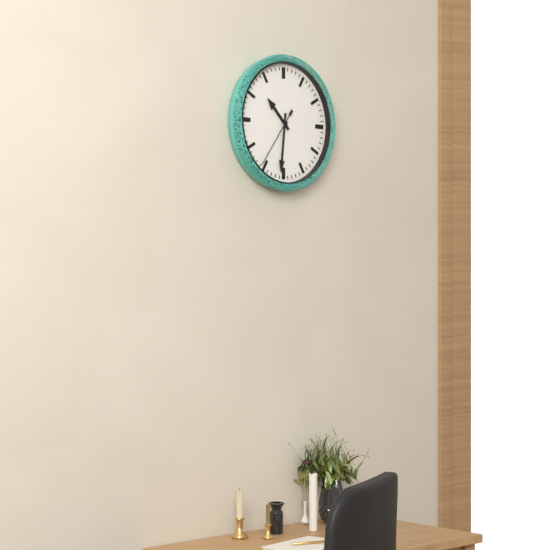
10:31:36
